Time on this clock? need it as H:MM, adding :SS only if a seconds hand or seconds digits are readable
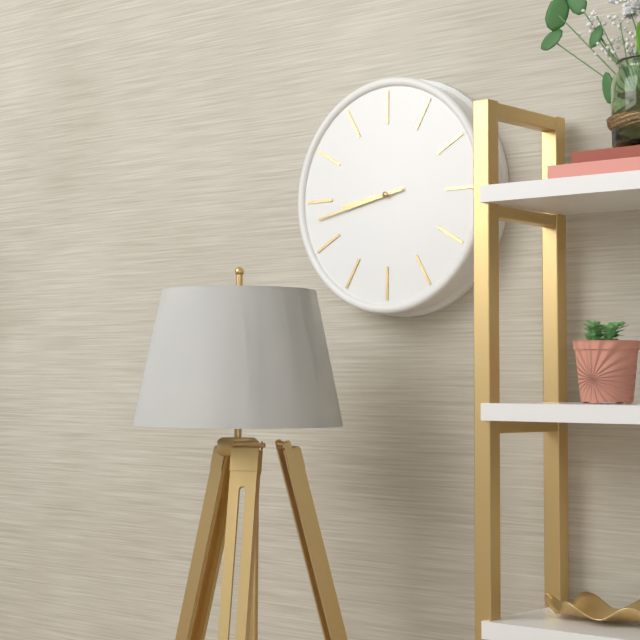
8:43
